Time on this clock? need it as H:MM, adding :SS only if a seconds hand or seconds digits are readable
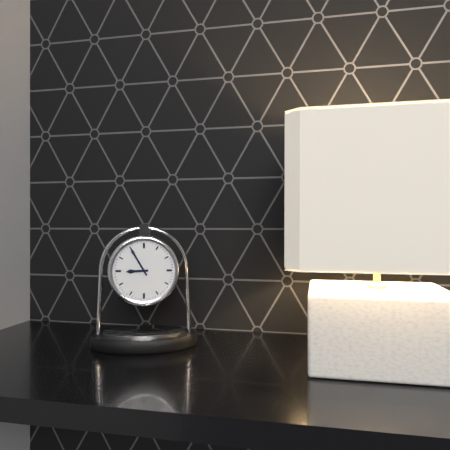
8:55
